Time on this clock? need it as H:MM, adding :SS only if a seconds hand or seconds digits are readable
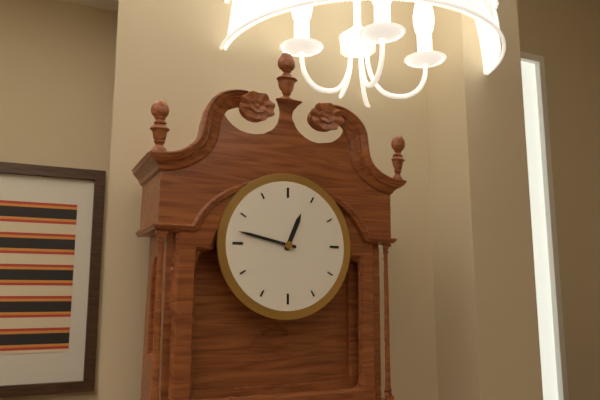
12:47
